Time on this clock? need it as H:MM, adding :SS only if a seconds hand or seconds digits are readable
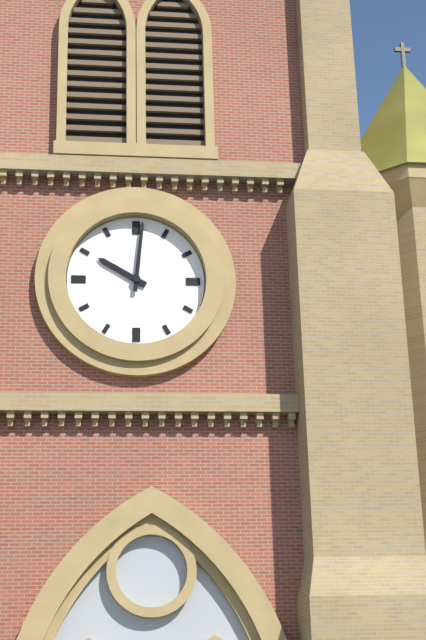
10:01
